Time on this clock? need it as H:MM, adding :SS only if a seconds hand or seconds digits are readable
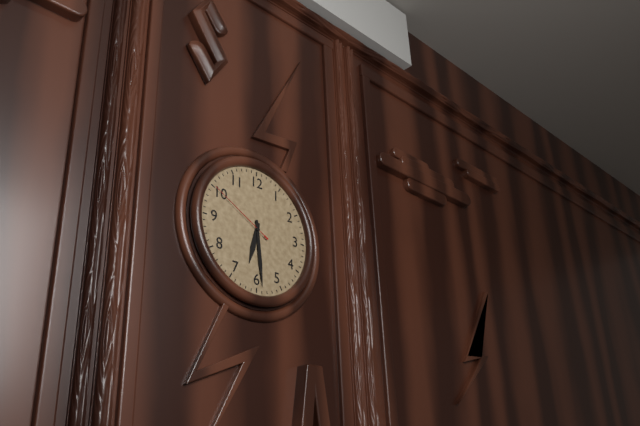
6:29:50
